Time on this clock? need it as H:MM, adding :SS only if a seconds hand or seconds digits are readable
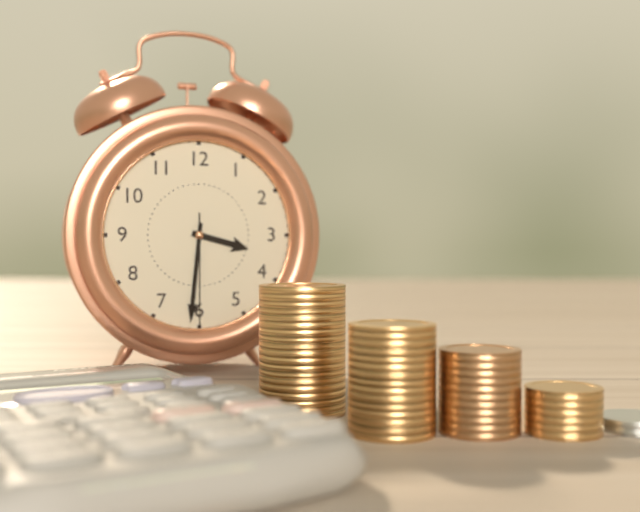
3:31:30
